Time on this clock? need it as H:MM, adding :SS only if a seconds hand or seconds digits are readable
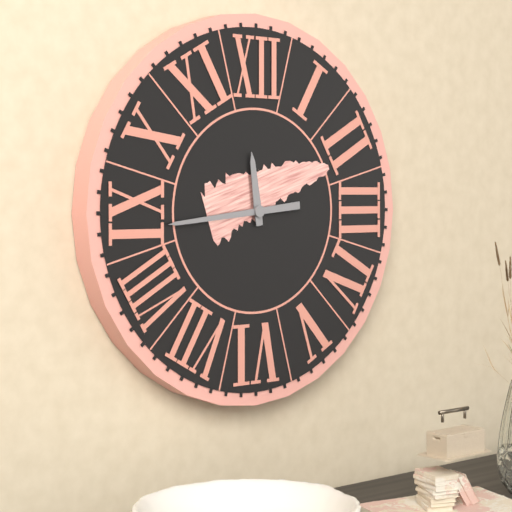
11:44
